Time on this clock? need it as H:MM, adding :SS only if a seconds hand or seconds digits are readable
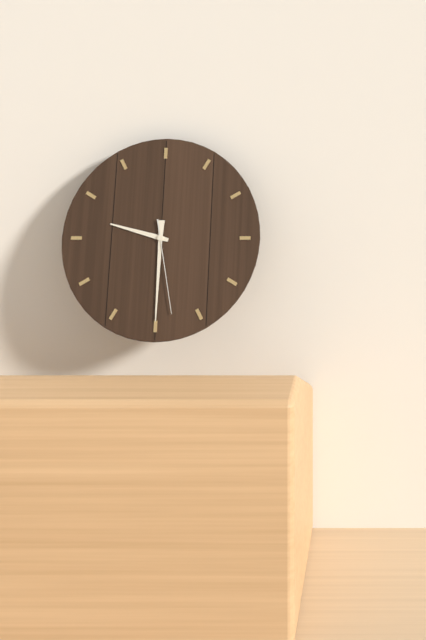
9:30:28
